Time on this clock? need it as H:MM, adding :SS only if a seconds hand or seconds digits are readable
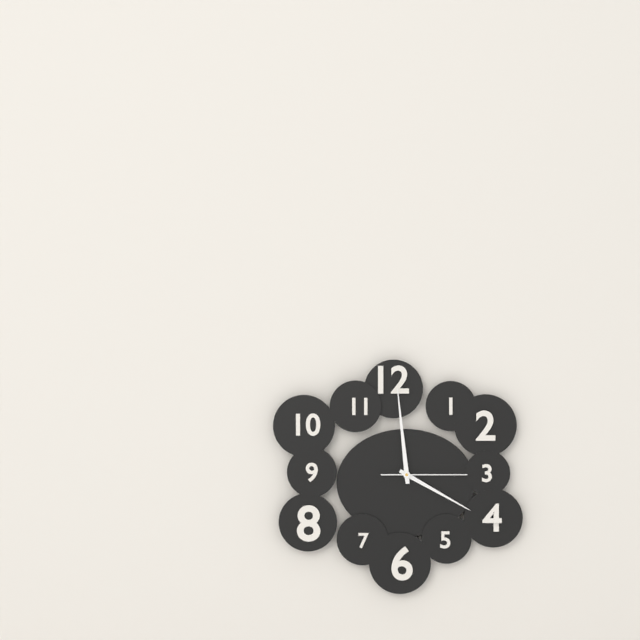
3:59:15
